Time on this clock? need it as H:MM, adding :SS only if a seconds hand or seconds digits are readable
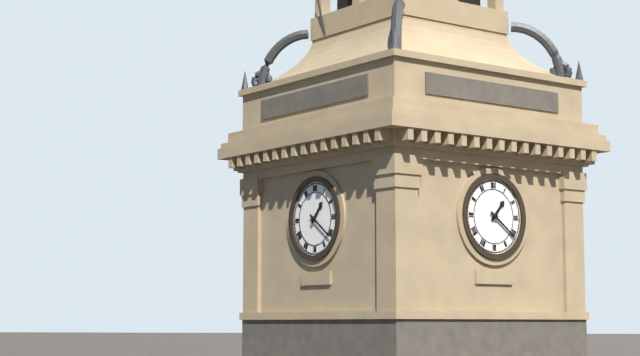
1:21
